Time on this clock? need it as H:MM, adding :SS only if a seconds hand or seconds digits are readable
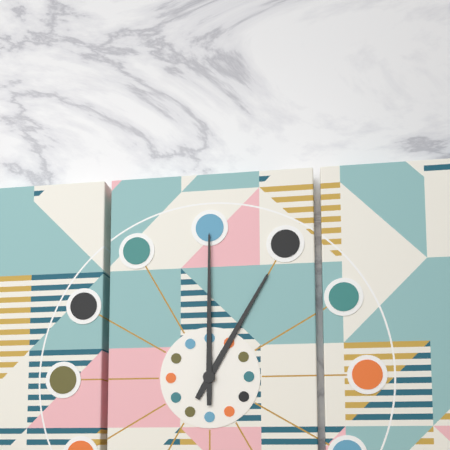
1:00
